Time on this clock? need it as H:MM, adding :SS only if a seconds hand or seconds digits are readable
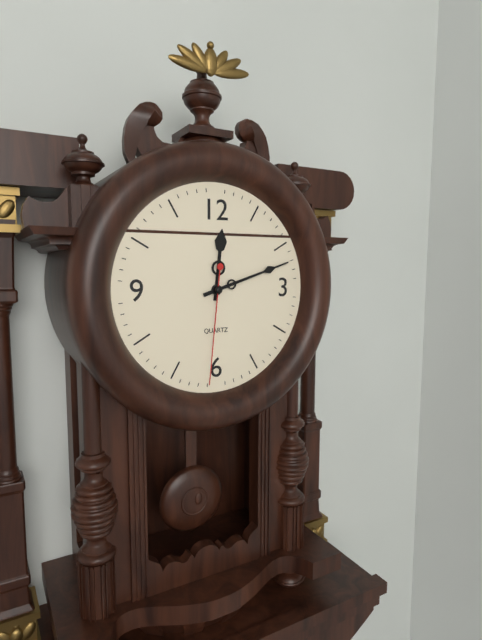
12:12:31
